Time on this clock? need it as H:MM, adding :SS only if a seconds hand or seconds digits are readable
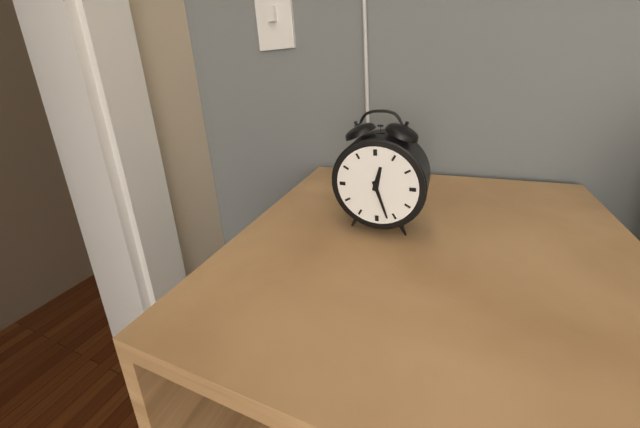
12:27
